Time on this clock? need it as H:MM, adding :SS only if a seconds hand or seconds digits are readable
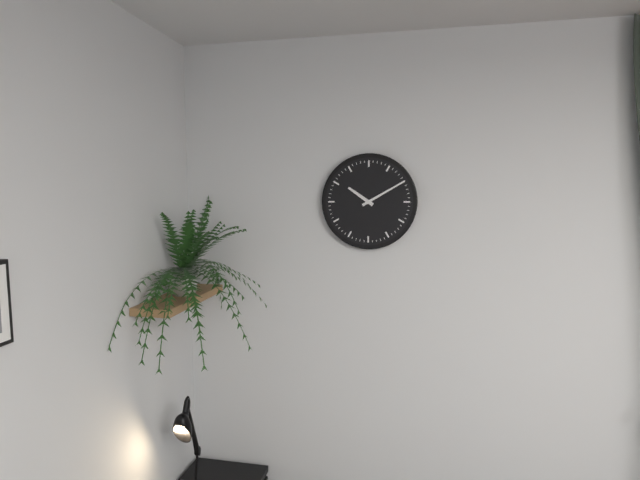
10:10
